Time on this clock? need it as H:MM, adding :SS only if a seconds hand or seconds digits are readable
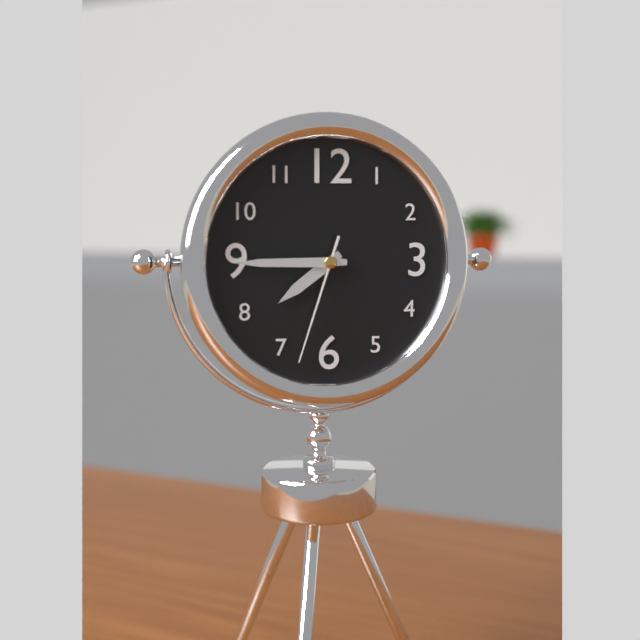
7:45:33
